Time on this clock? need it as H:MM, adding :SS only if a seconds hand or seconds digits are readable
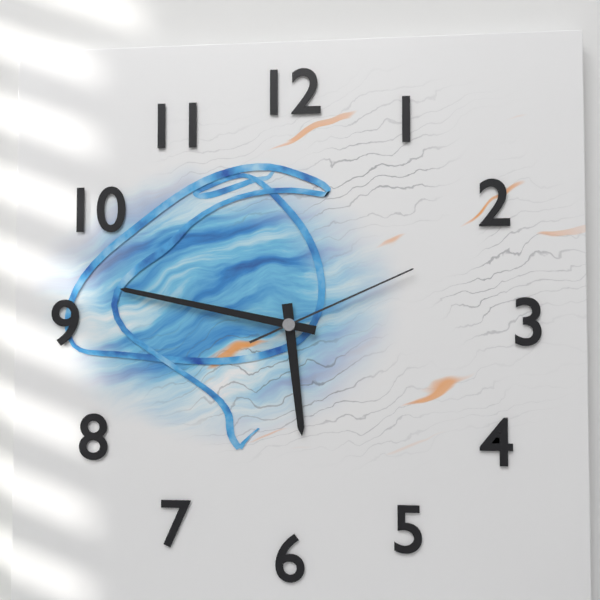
5:47:11
